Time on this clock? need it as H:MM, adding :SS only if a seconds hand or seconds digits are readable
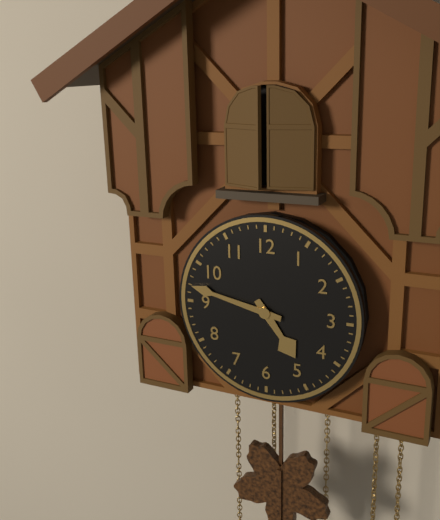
4:47
